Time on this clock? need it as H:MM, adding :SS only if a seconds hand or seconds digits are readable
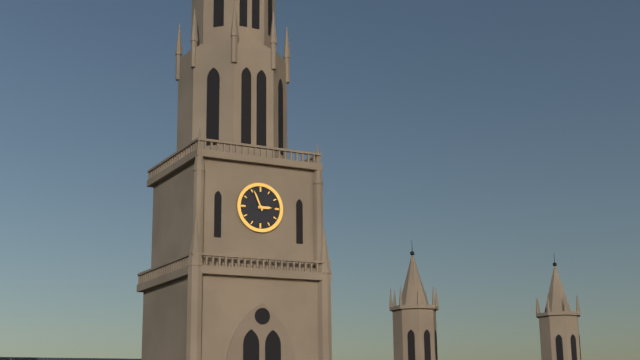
2:56
